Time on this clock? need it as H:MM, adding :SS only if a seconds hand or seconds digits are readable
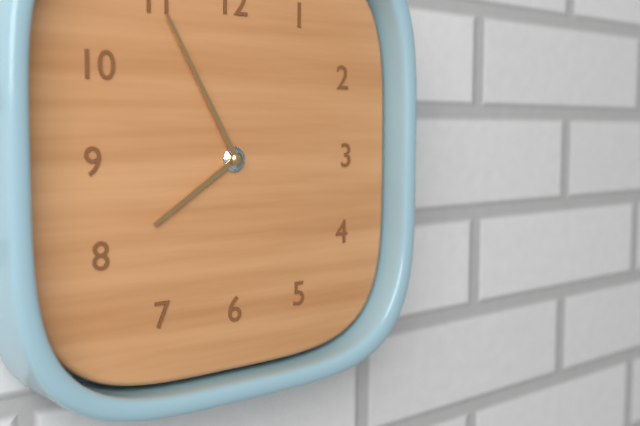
7:55
